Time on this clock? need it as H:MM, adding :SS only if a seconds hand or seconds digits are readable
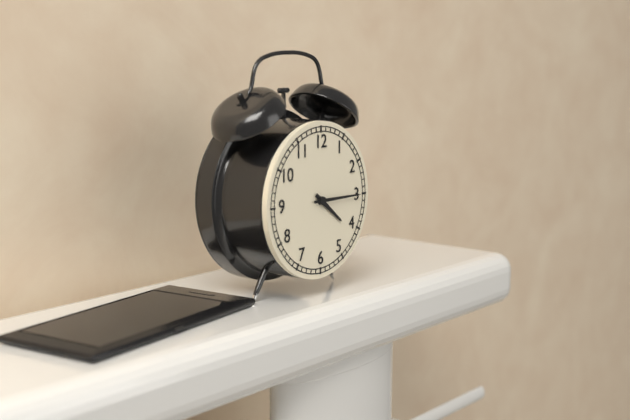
4:15
